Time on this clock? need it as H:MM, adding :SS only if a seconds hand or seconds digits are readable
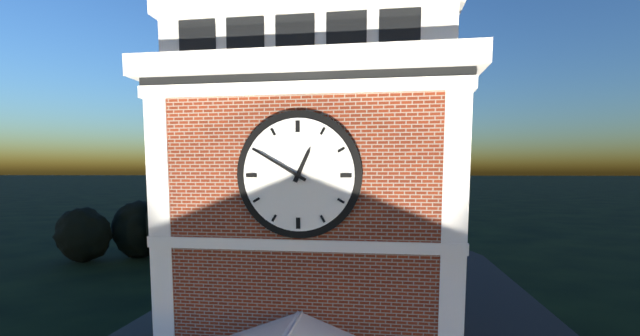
12:50
